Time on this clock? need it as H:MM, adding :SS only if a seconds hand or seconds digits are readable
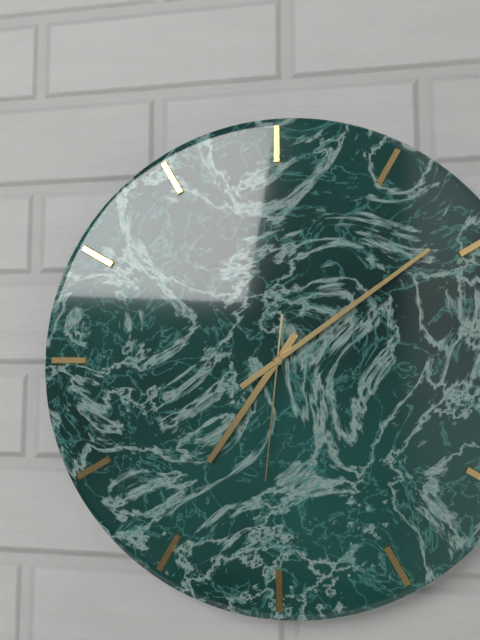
7:09:31
